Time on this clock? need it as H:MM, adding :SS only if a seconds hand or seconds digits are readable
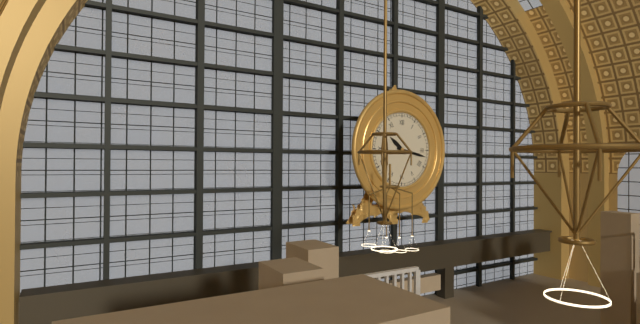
10:17
